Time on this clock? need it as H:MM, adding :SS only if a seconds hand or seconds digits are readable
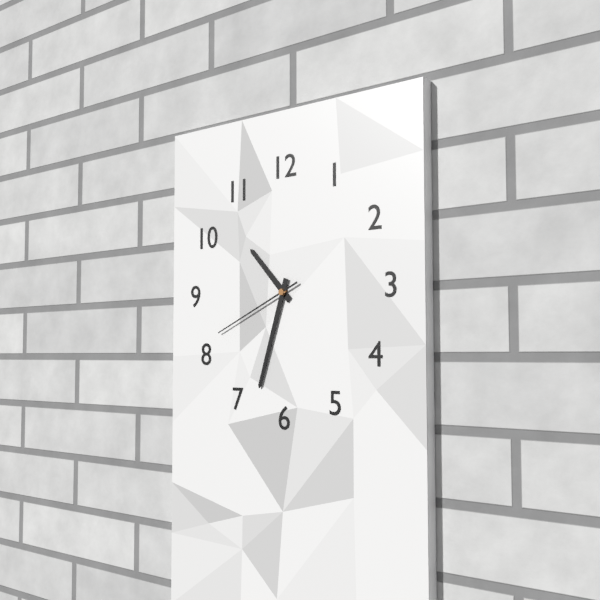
10:33:41
